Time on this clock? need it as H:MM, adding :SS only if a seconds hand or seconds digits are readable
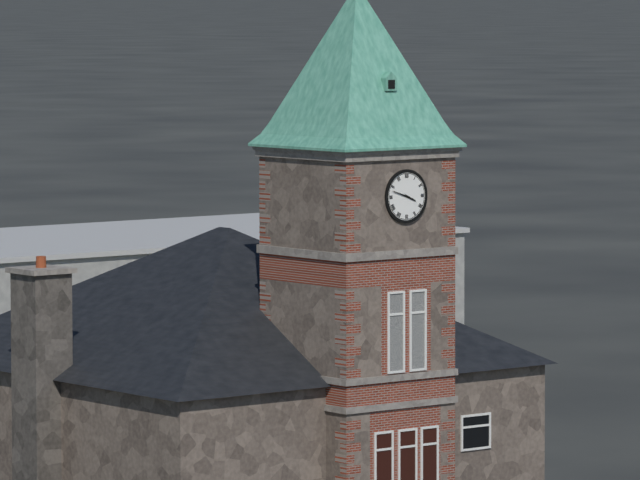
3:48
